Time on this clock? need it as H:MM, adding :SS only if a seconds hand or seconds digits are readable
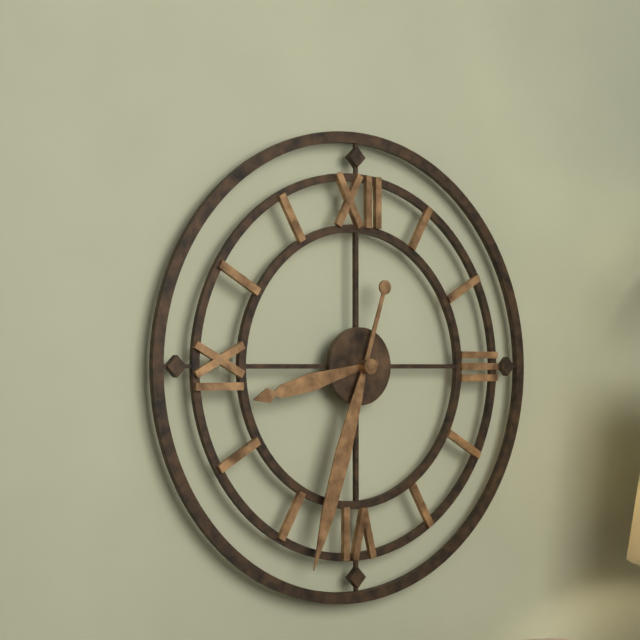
8:33
